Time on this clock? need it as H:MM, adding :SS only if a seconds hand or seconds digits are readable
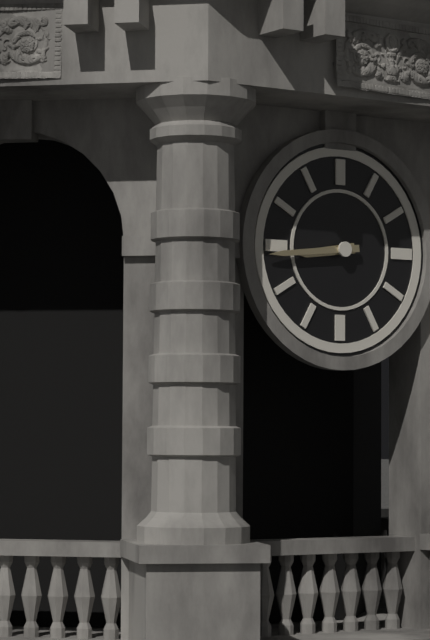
8:44
